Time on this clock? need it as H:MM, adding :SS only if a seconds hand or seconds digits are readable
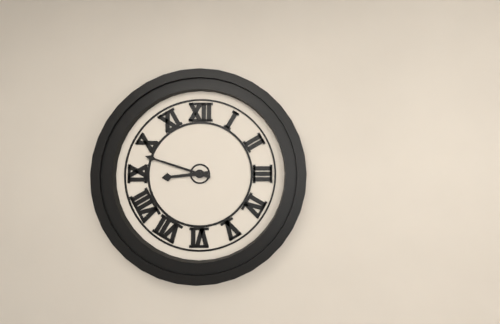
8:48
